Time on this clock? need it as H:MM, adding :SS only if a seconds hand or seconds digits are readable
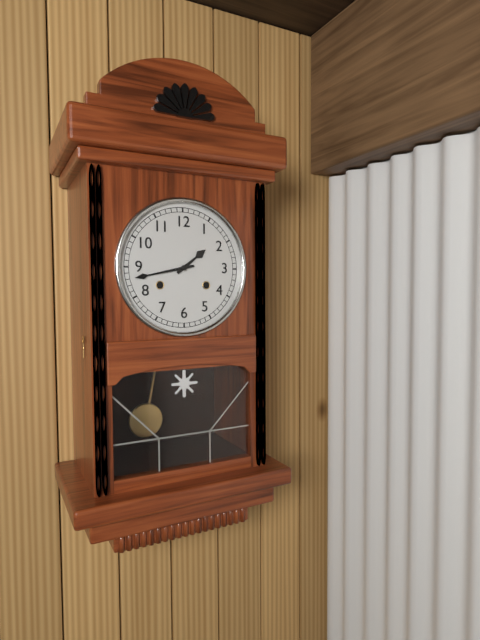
1:43
